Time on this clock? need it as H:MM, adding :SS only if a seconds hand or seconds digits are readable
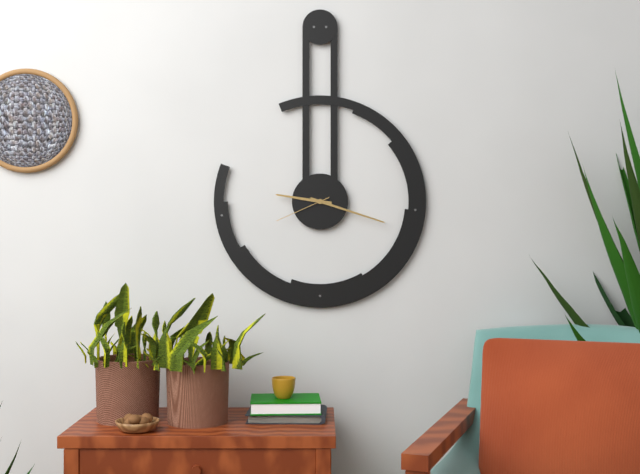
9:18:41
